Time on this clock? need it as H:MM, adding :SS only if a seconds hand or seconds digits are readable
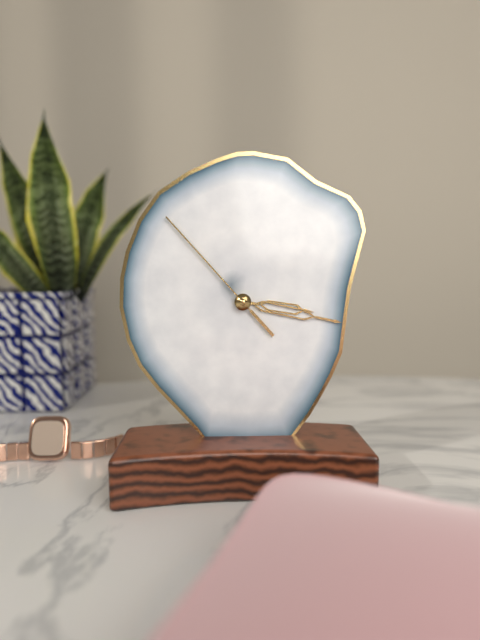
3:17:53
